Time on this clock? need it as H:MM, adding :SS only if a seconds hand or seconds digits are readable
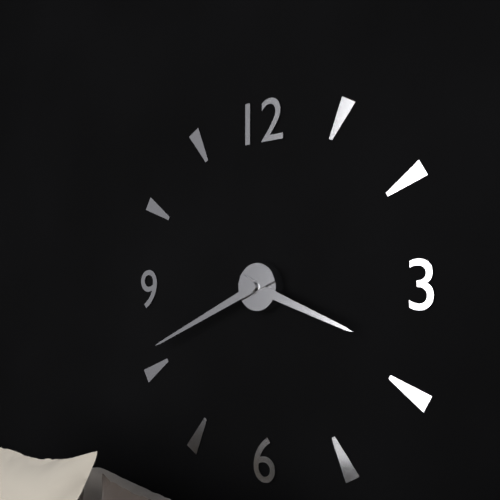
3:41
